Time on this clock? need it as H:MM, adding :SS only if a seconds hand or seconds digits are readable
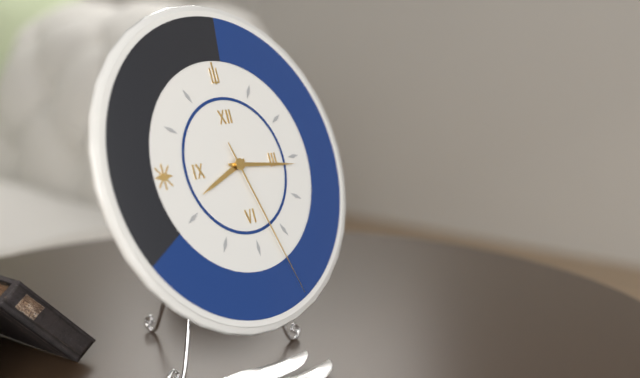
8:16:27
